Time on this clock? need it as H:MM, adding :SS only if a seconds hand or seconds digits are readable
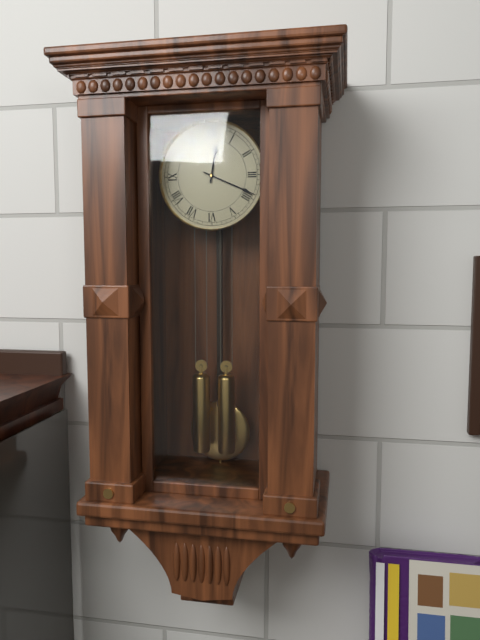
12:19
